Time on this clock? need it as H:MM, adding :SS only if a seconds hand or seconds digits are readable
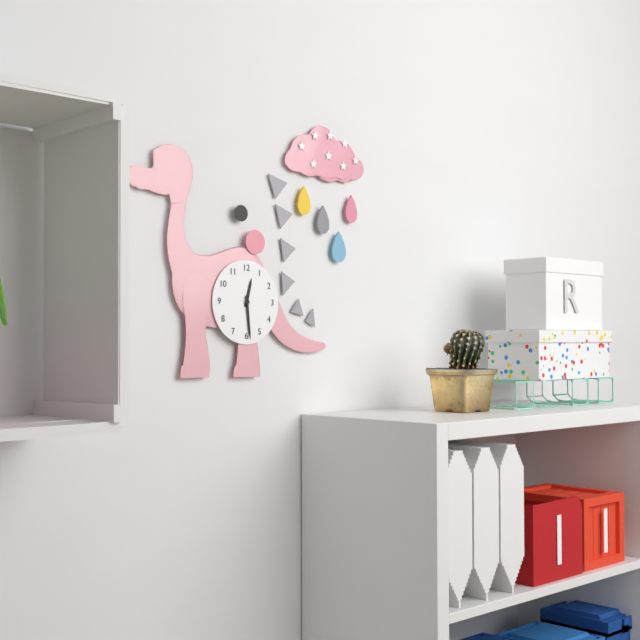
12:29
